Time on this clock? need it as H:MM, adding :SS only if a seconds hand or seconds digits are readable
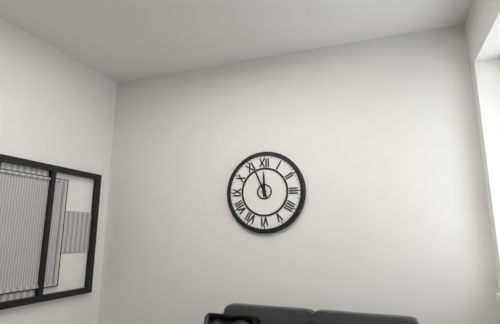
11:56
